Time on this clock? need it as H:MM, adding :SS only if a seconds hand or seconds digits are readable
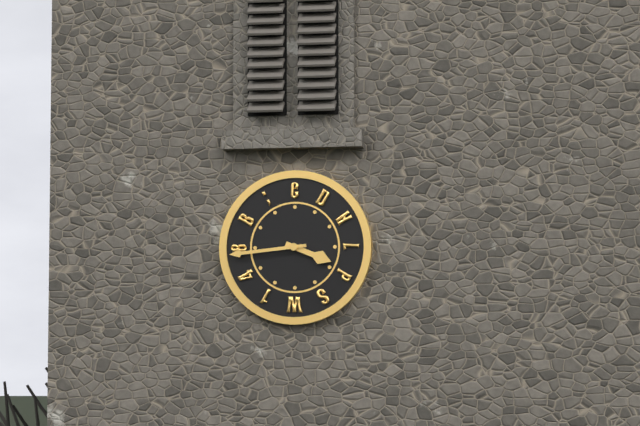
3:44
